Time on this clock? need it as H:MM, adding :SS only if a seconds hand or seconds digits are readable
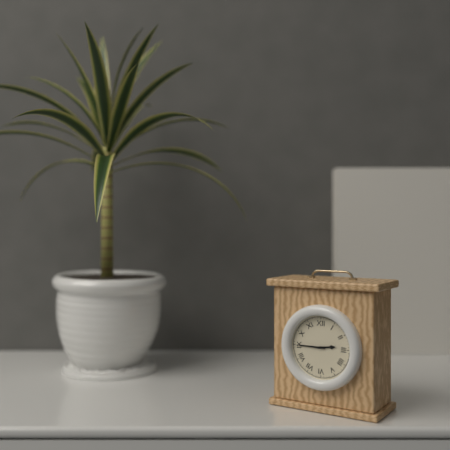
2:45
